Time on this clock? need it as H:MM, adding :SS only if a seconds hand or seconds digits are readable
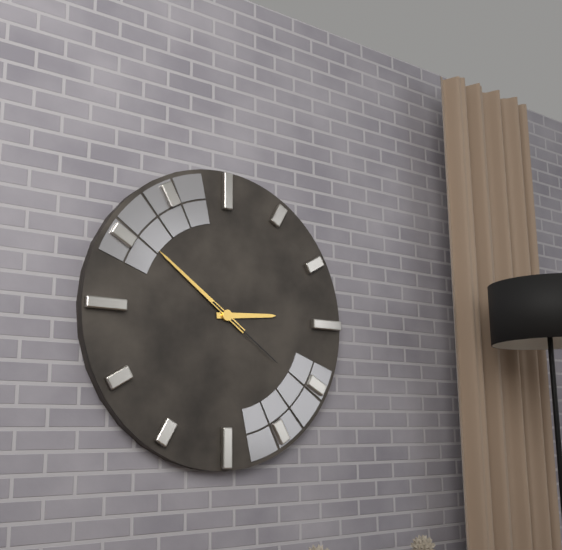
2:51:21
